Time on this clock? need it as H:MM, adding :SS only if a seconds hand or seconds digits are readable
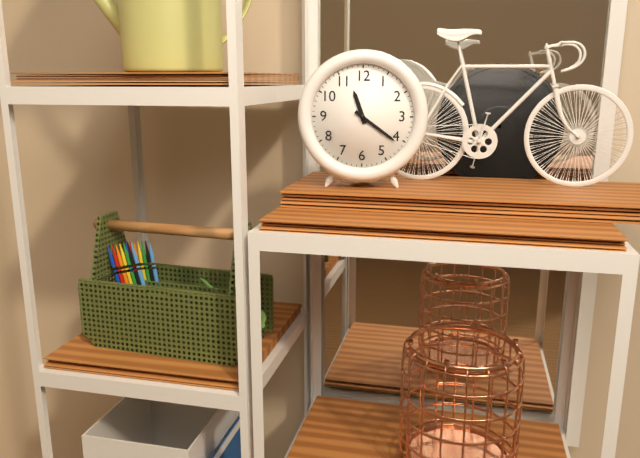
11:21
